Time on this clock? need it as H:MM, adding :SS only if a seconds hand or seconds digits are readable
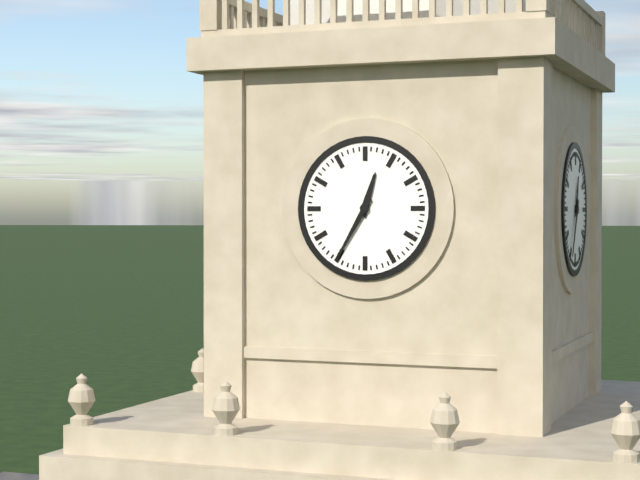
12:35
